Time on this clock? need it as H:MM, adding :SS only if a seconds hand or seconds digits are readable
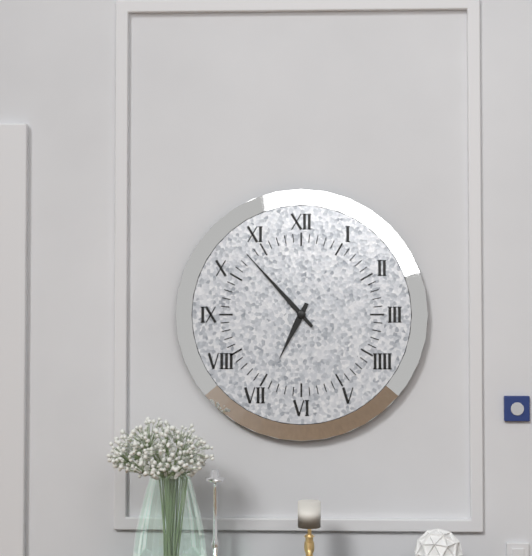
6:53
